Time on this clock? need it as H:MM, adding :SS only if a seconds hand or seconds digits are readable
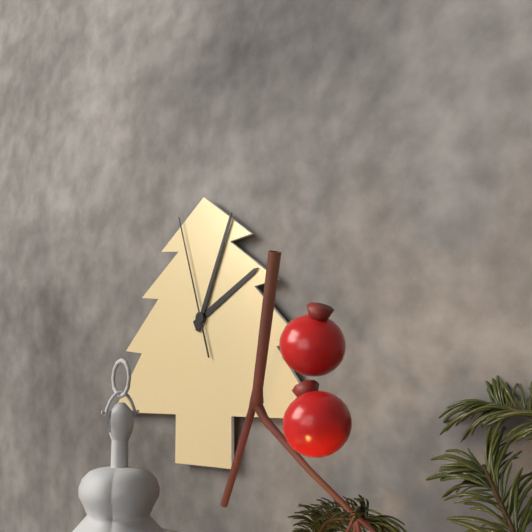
2:04:57
